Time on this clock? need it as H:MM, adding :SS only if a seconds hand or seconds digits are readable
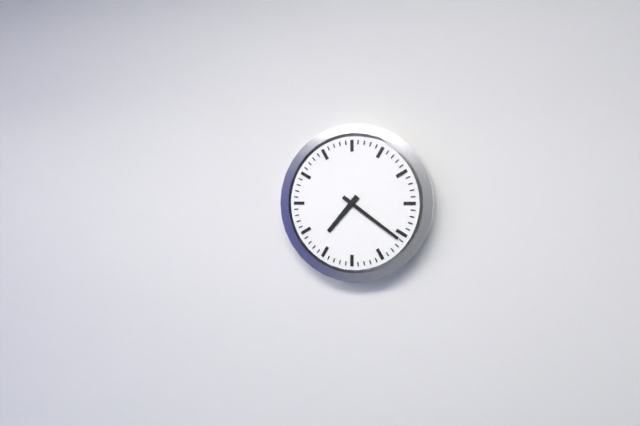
7:21
